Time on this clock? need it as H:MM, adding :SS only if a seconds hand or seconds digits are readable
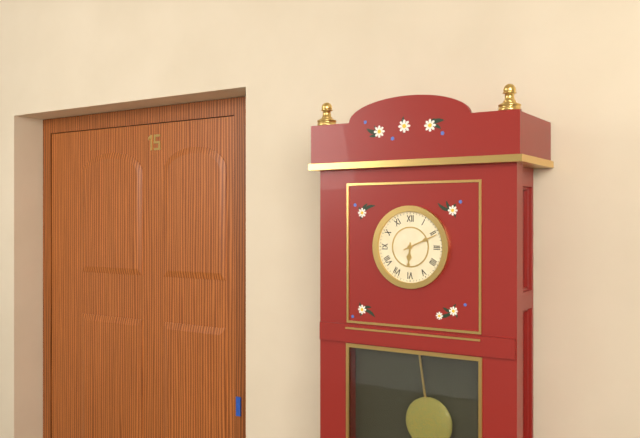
6:11
